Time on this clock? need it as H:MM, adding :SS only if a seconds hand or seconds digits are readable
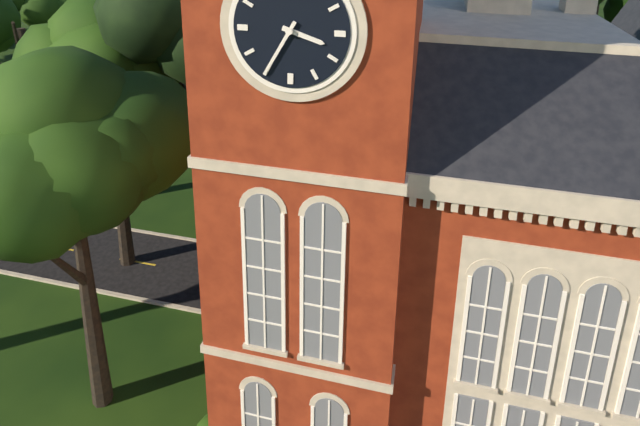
3:35
